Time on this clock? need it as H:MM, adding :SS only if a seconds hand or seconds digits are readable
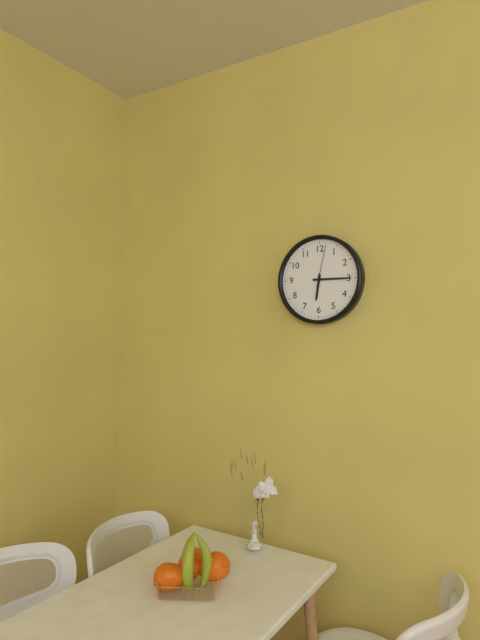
6:15
